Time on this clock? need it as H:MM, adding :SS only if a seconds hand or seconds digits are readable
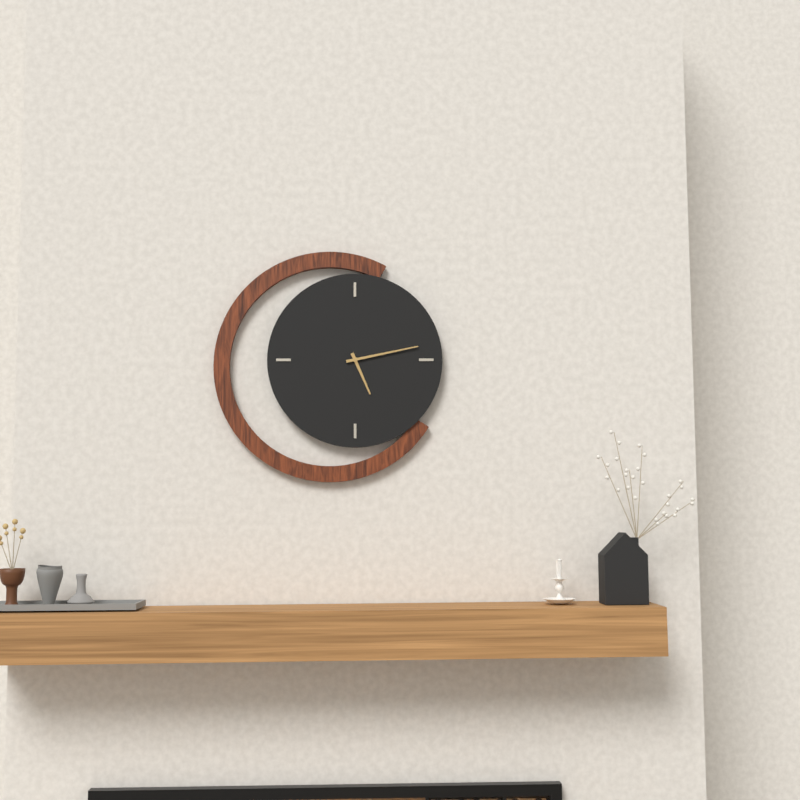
5:13
